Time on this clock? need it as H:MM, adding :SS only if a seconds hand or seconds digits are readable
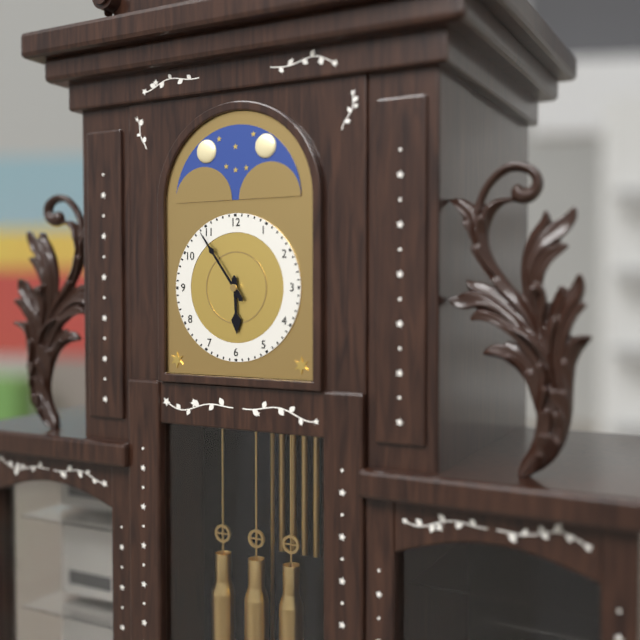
5:54
